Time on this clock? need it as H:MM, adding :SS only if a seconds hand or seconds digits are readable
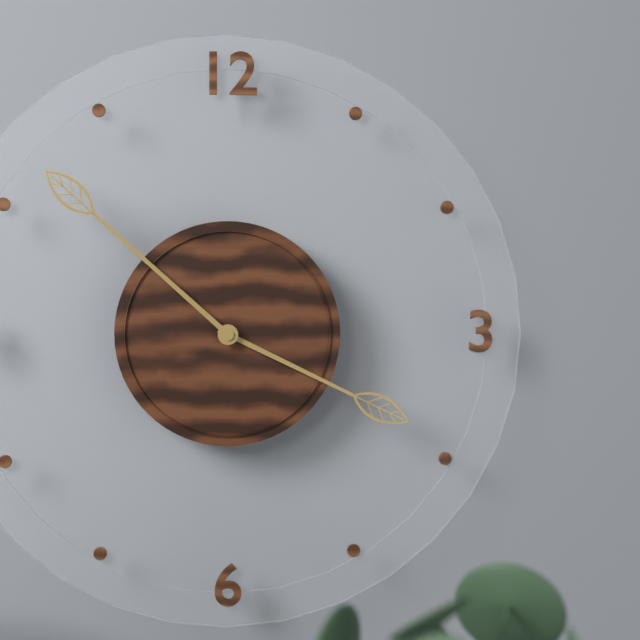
3:52
